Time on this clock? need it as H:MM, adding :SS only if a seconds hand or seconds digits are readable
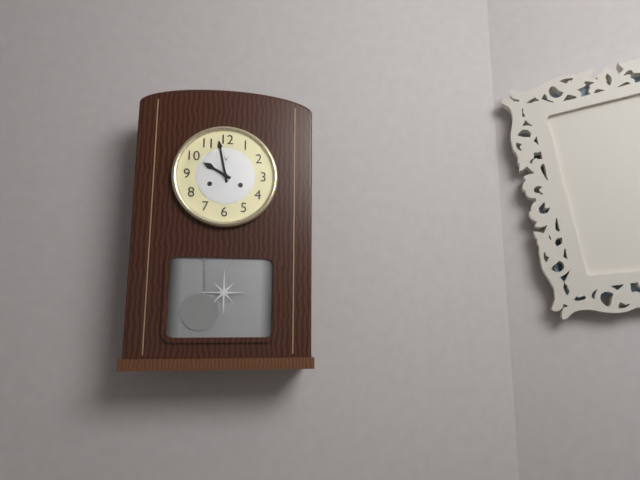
9:58
